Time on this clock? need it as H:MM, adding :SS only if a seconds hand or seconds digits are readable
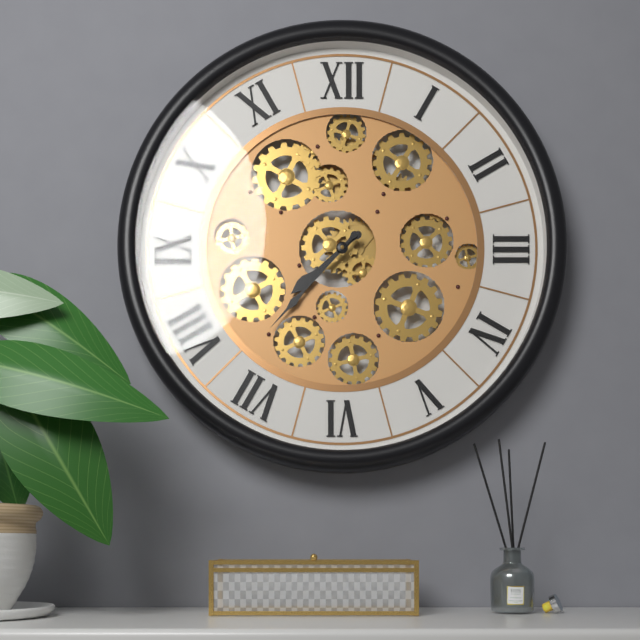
7:37
